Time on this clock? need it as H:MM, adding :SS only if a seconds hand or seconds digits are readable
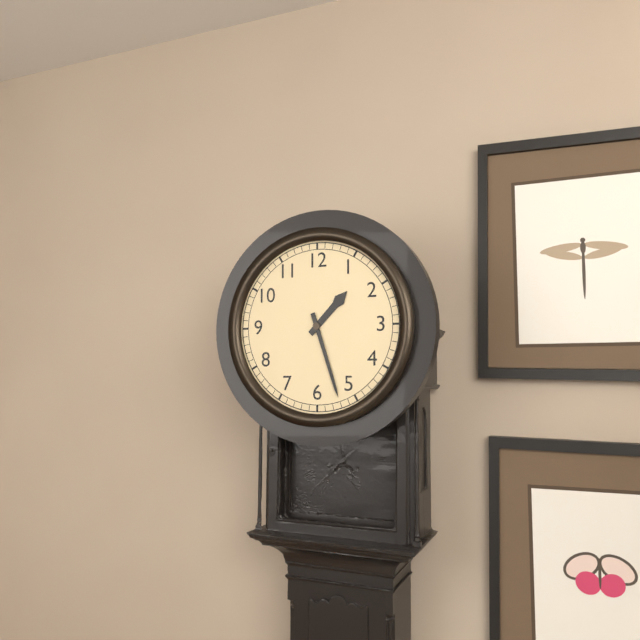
1:27
